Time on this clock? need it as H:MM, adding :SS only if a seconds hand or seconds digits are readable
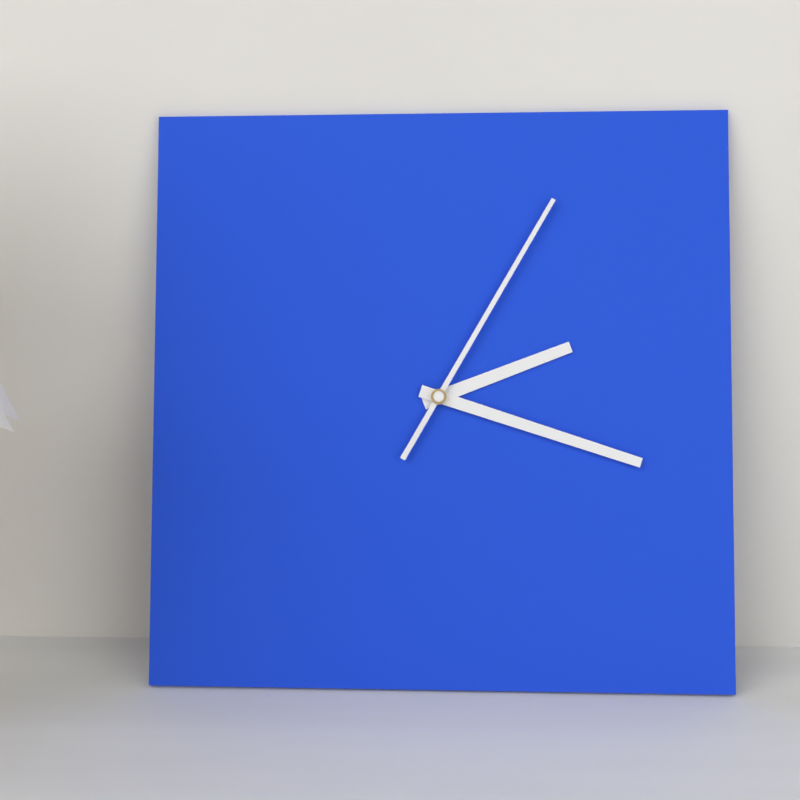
2:18:05
